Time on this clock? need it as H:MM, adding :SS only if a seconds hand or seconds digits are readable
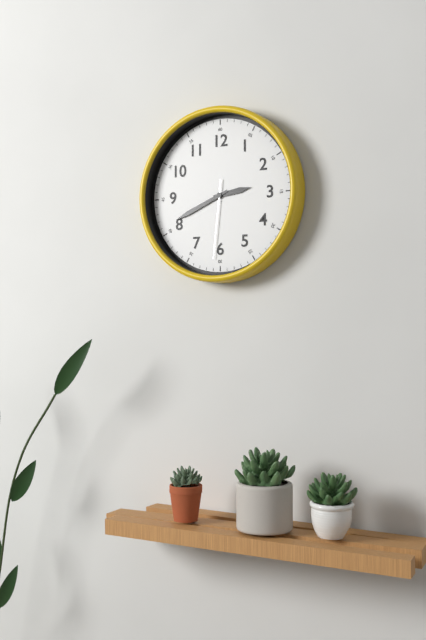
2:41:31
